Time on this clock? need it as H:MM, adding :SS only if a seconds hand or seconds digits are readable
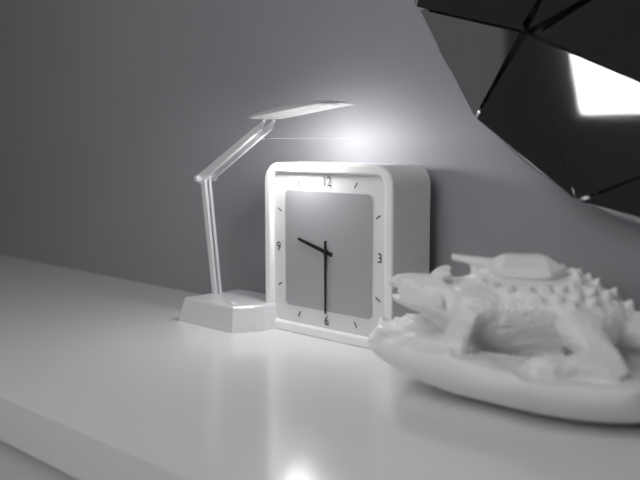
9:30
